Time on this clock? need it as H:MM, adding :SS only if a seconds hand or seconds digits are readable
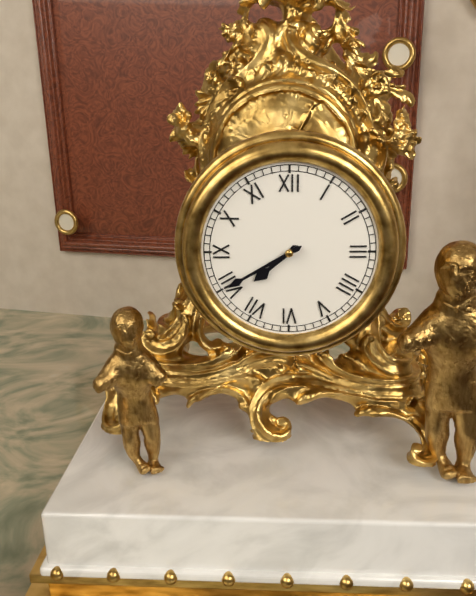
7:40
